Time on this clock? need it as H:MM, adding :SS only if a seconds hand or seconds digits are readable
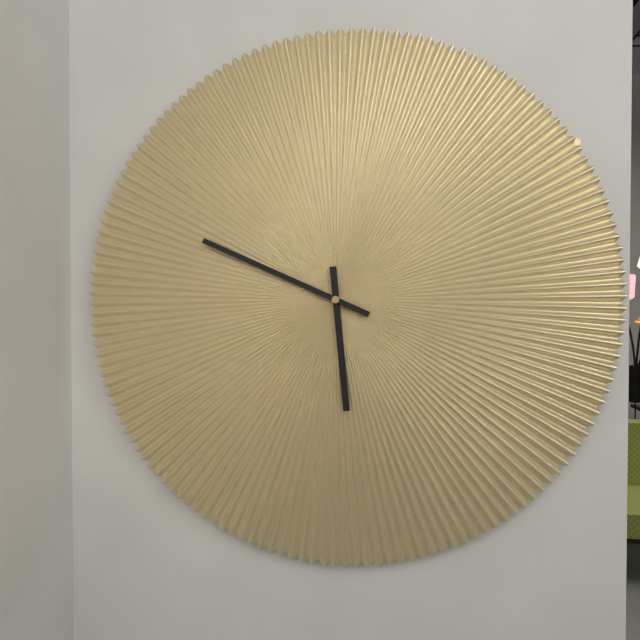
5:49
